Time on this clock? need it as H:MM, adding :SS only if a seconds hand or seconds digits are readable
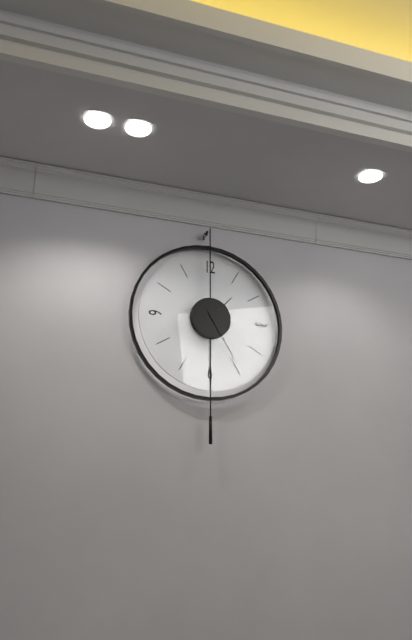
1:25
